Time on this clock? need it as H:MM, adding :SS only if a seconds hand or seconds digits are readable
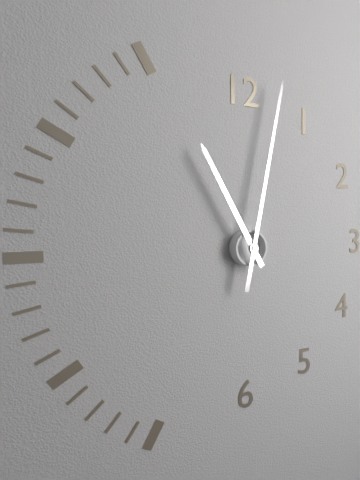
11:02
